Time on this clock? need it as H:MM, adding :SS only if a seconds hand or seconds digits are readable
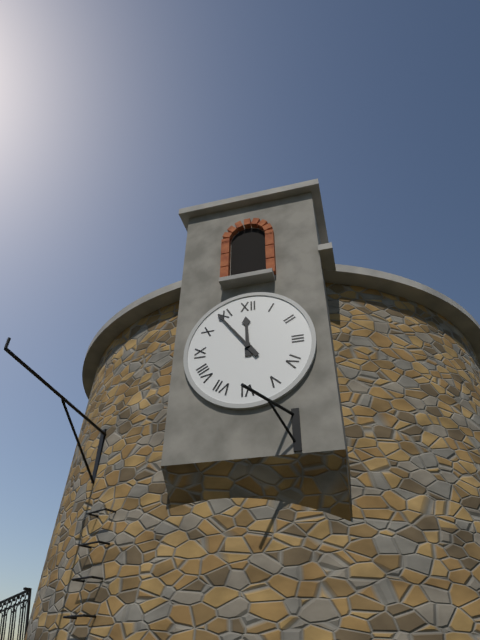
11:54
